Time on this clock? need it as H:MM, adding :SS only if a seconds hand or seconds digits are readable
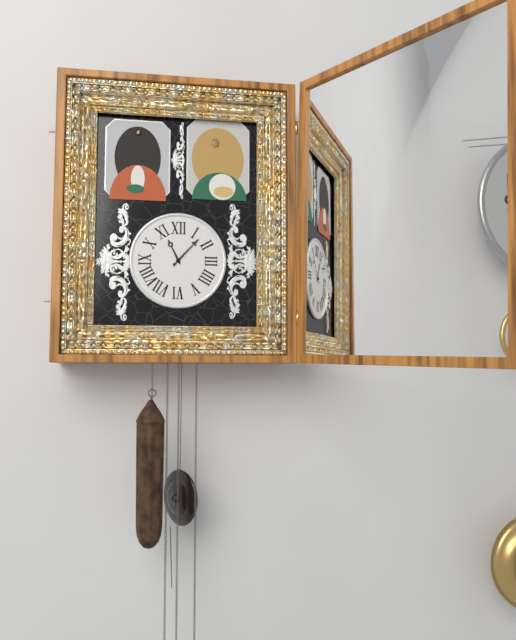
11:07
